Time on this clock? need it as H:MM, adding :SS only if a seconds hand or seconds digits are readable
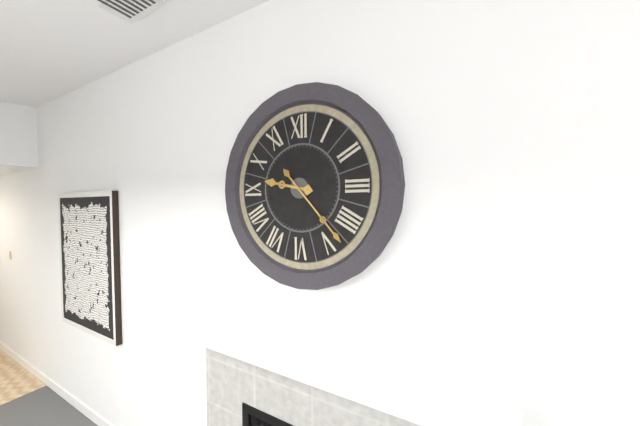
9:23
